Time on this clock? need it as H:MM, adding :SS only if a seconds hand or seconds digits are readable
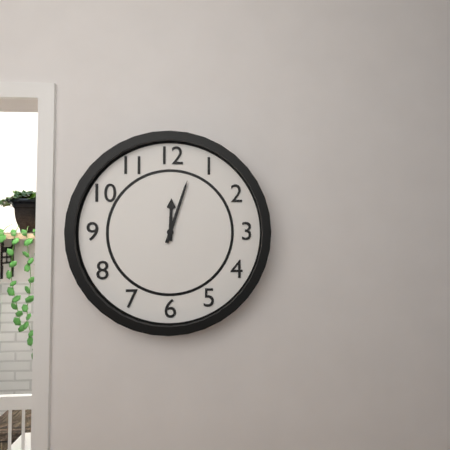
12:03
